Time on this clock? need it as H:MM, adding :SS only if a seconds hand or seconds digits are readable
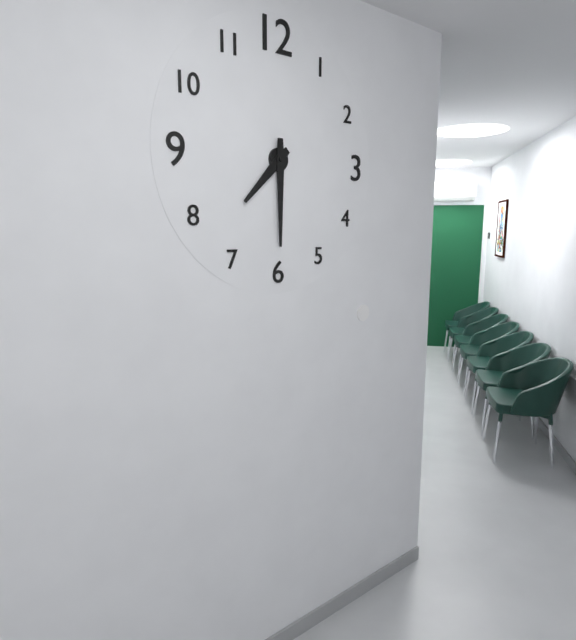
7:30
